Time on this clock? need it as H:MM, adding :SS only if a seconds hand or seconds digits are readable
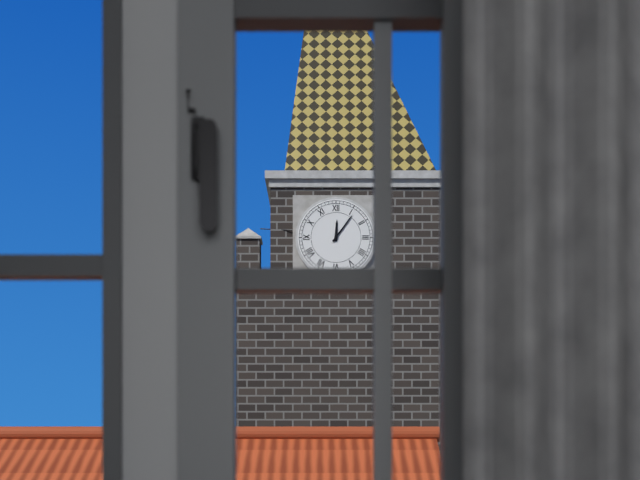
12:06
